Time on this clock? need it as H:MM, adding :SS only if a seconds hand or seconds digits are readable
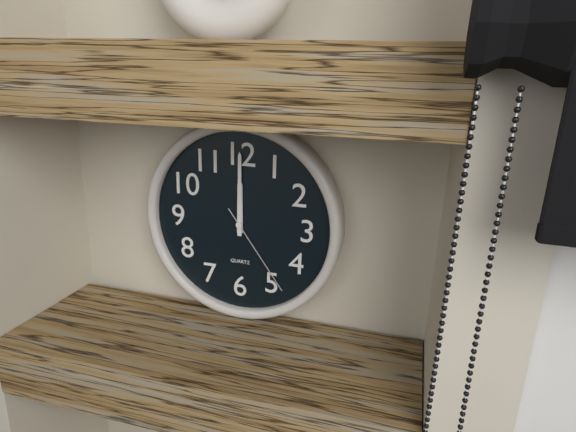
12:00:24
